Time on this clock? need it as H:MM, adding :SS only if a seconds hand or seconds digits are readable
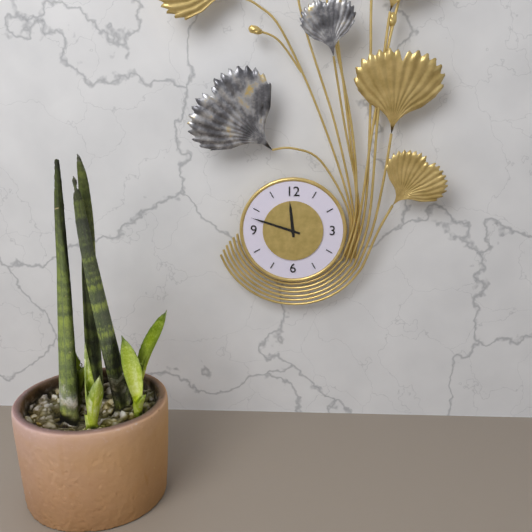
11:48
